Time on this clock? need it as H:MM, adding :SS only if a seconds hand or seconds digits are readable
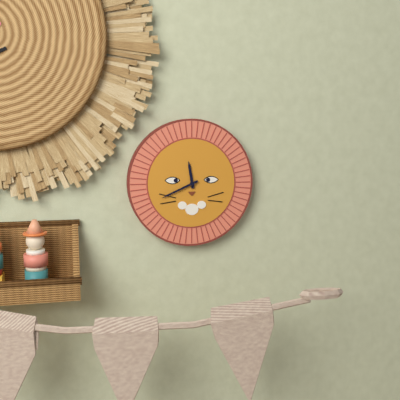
11:41
